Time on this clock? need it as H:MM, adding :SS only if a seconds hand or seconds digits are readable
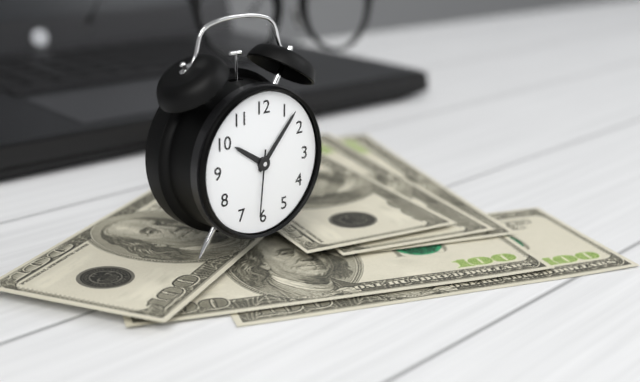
10:07:31
